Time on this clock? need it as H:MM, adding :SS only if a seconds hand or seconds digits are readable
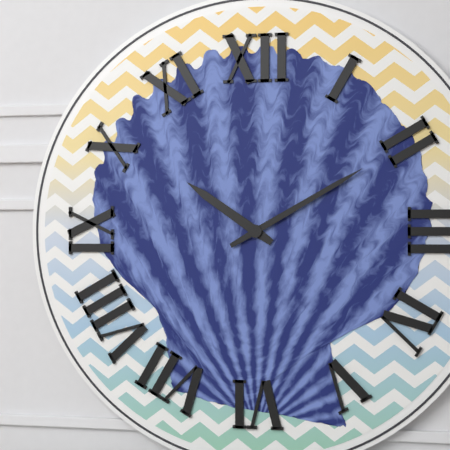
10:10
